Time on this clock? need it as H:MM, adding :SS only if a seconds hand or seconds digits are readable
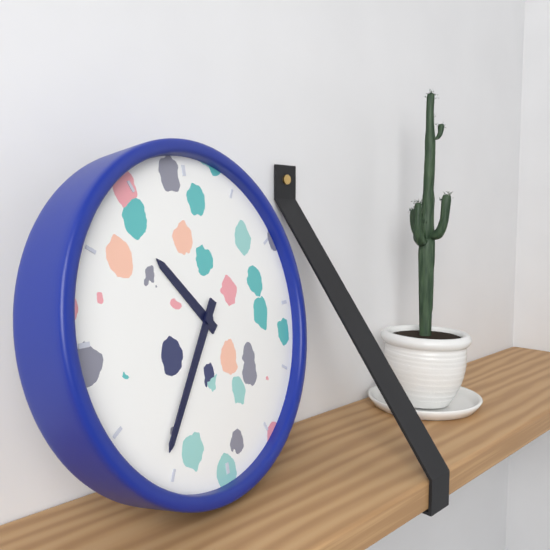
10:36
